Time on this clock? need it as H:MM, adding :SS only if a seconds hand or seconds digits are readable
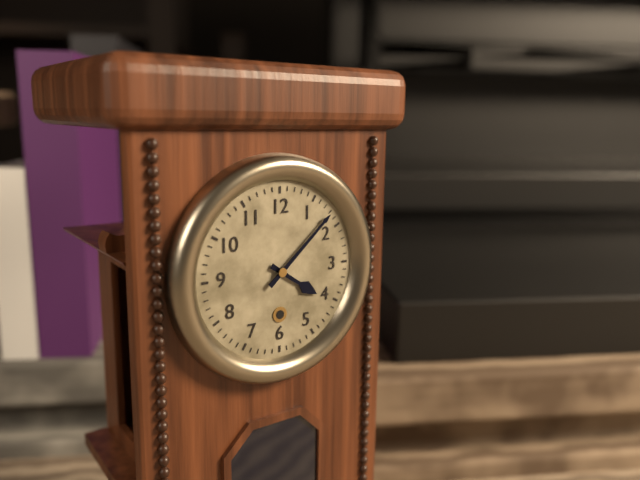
4:08
